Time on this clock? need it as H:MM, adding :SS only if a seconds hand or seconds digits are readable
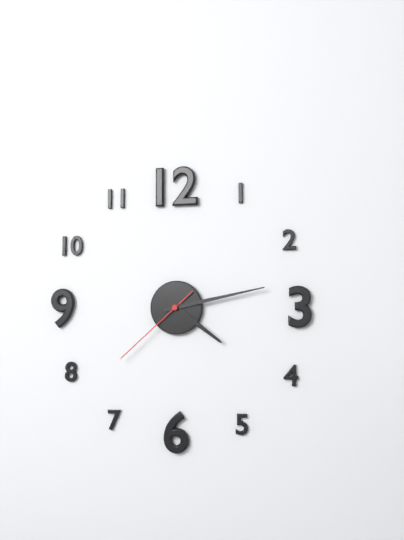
4:13:38
